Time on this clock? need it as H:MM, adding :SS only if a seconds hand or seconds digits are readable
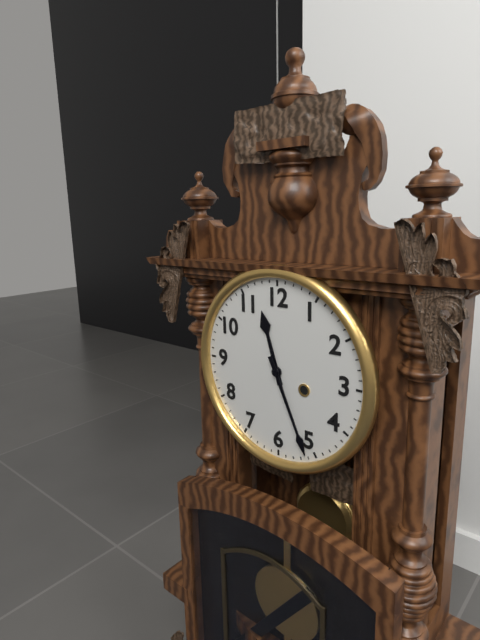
11:26
